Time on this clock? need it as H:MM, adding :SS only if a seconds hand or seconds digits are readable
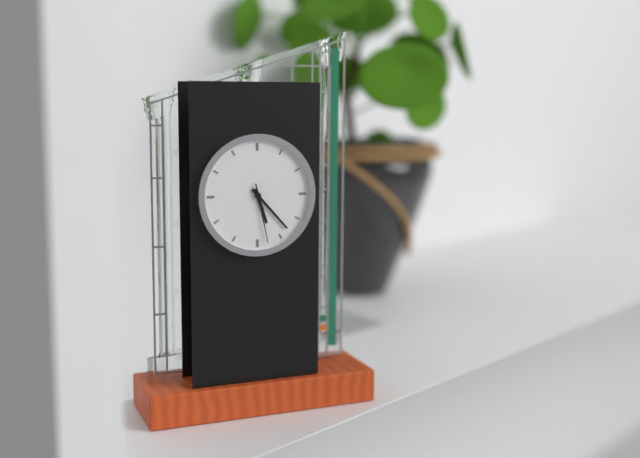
5:23:28
